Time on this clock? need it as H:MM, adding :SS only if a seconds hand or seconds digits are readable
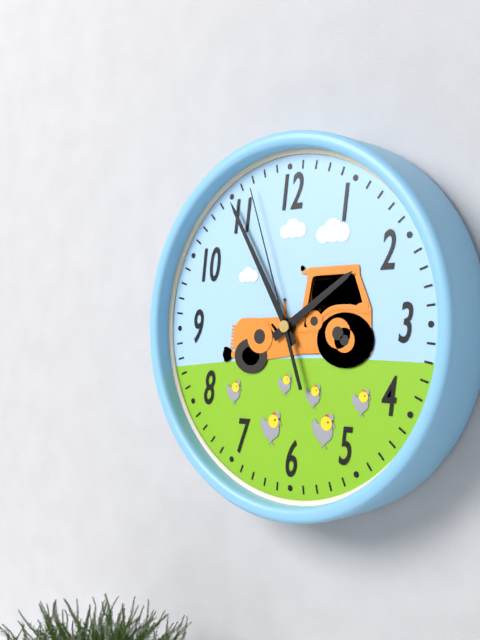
1:55:57
